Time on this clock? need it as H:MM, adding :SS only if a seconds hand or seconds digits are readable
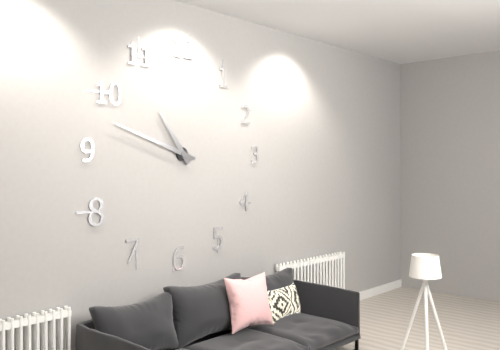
10:48
